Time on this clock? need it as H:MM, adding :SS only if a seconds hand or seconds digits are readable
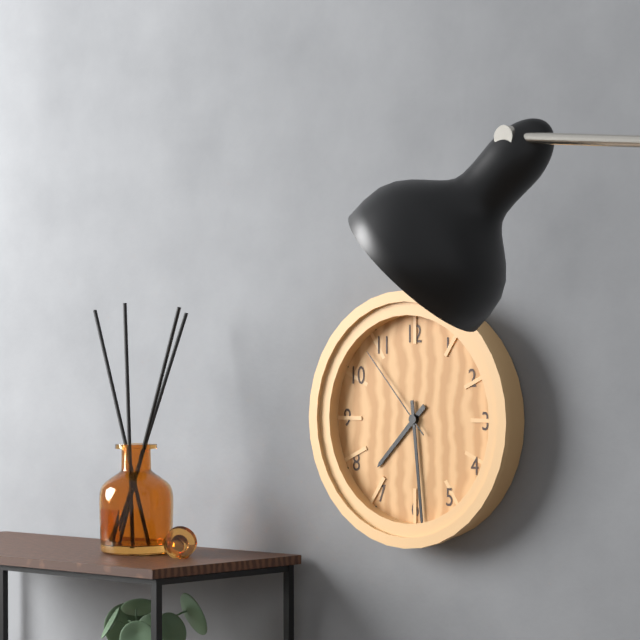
7:29:53
